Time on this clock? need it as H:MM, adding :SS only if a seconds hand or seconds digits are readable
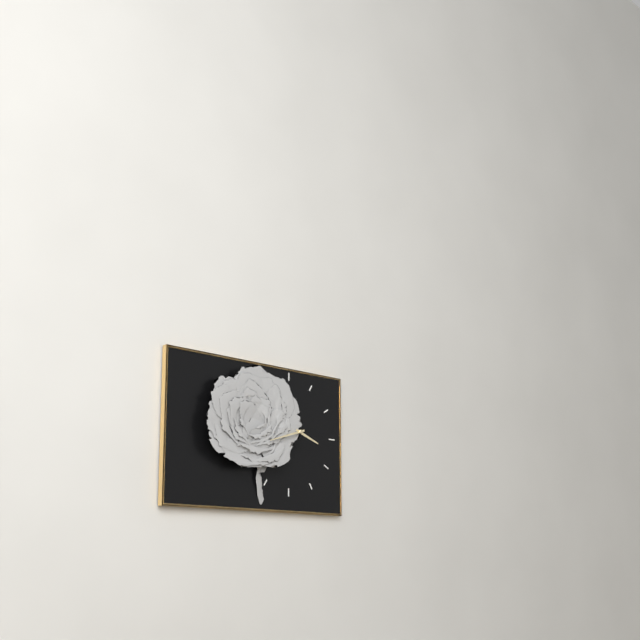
3:42
